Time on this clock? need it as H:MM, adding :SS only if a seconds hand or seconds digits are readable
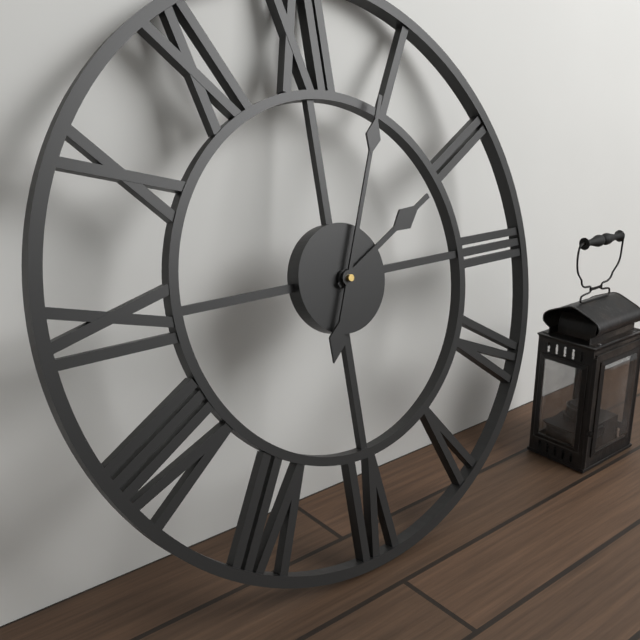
2:04
